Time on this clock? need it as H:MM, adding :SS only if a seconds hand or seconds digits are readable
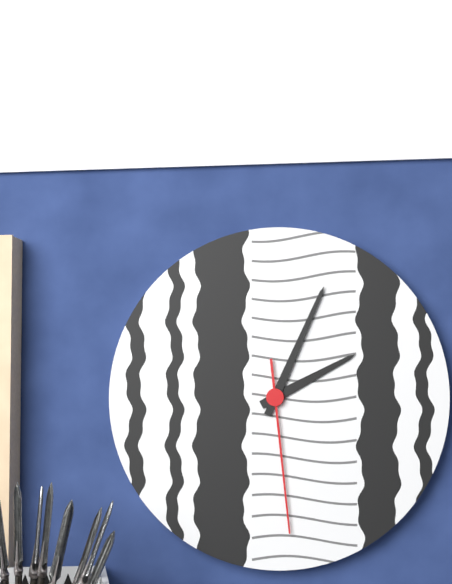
2:04:29
